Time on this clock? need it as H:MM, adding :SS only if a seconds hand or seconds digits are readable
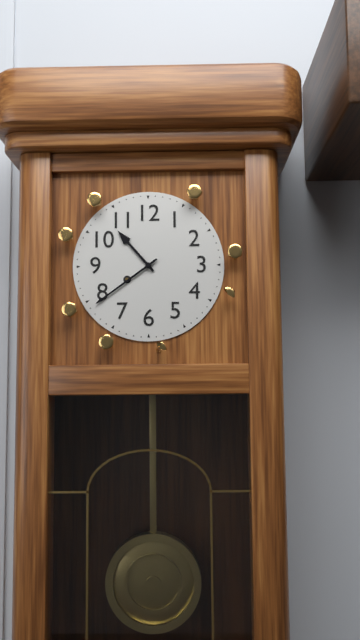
10:39
